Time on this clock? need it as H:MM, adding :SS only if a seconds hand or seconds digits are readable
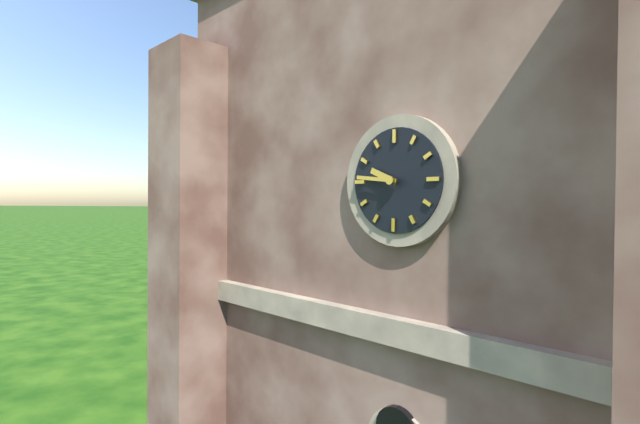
9:46
